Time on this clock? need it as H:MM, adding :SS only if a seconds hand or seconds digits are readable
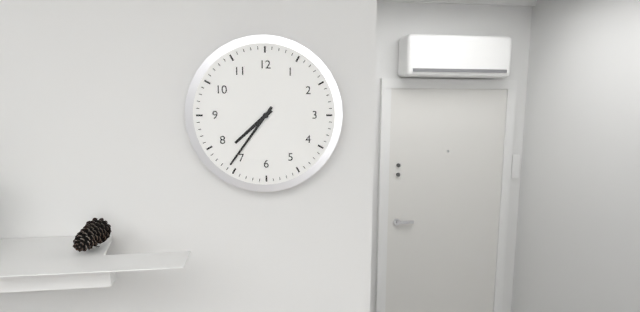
7:36
